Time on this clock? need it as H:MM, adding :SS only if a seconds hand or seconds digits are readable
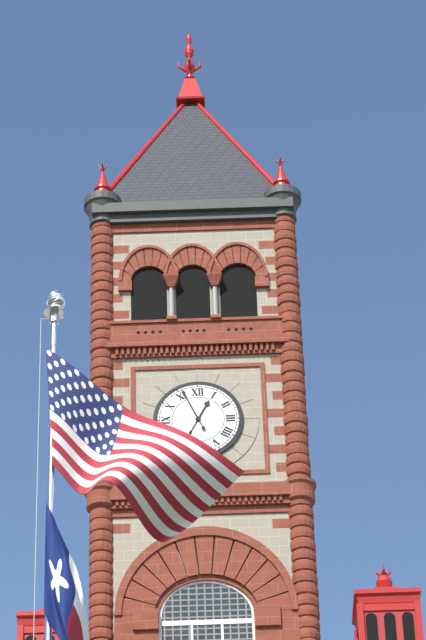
12:56
